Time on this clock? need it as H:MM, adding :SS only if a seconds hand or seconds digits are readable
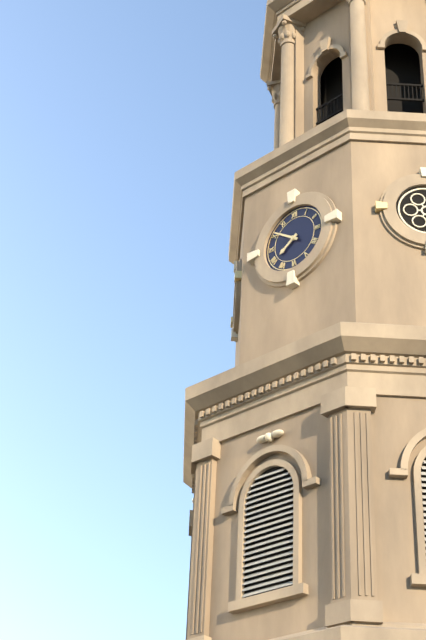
7:51
